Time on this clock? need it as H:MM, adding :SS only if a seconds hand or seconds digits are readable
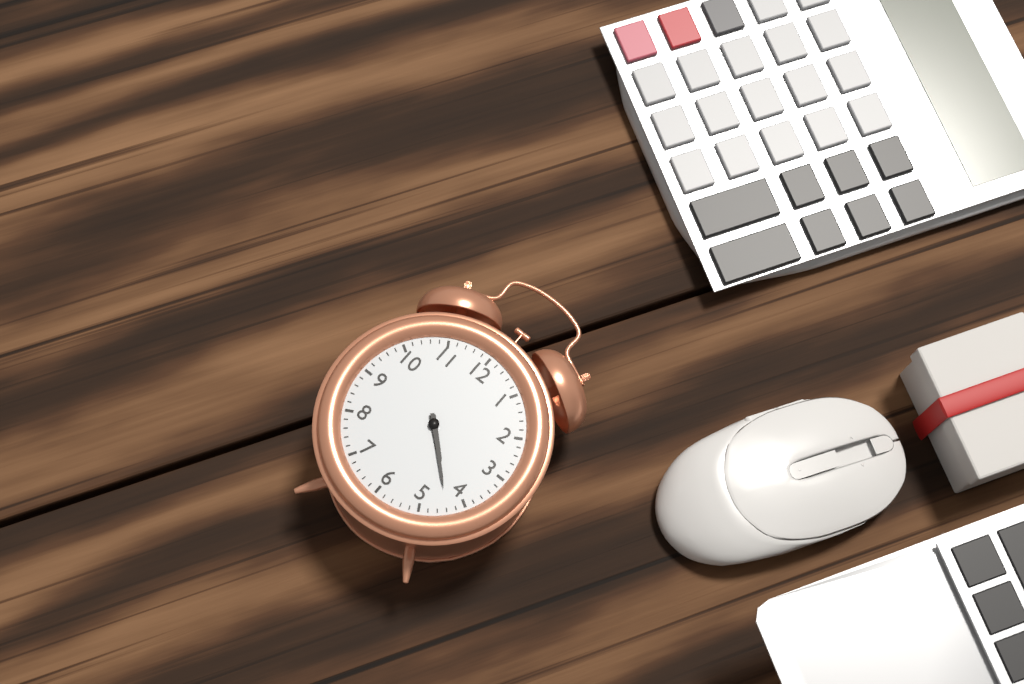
4:22
